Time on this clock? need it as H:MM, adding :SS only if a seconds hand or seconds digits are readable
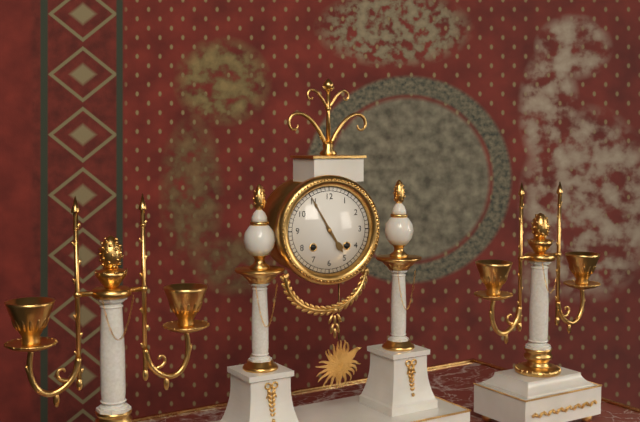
4:55
